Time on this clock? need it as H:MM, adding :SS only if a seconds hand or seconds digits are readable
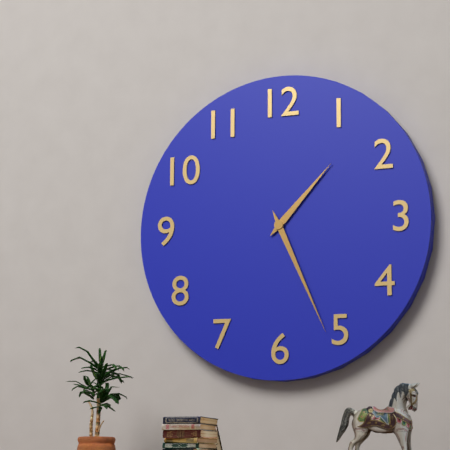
1:26
